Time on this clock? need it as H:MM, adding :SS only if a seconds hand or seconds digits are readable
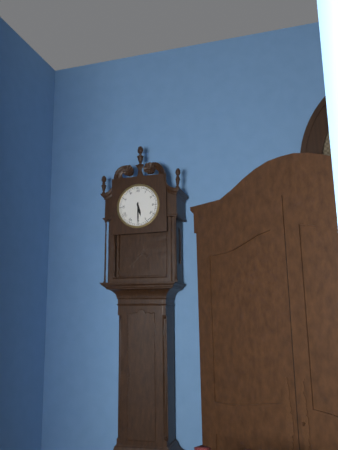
5:30
